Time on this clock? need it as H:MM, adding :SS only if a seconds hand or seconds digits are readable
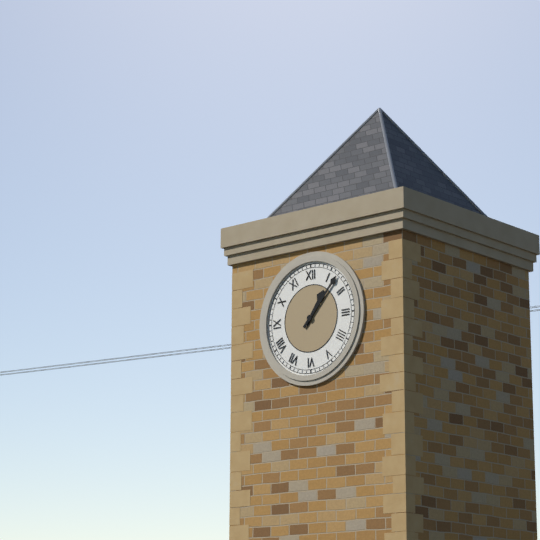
1:07
